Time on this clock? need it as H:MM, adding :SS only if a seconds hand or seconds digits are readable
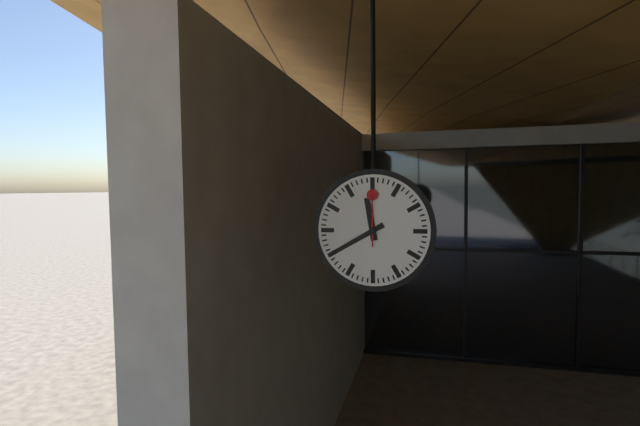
11:40:00
